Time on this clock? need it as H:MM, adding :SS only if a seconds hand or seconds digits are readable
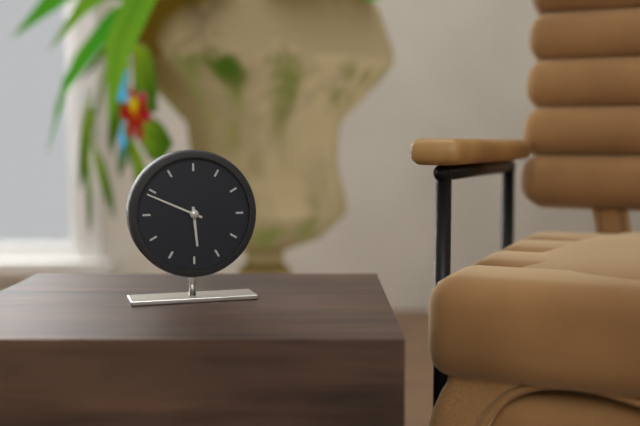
5:49
